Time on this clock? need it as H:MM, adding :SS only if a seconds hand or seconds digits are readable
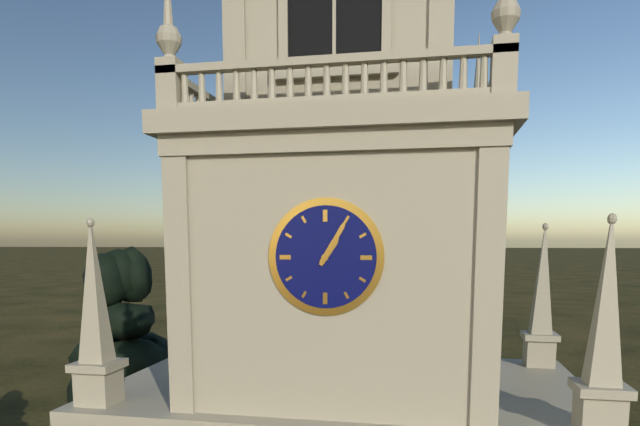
1:05
